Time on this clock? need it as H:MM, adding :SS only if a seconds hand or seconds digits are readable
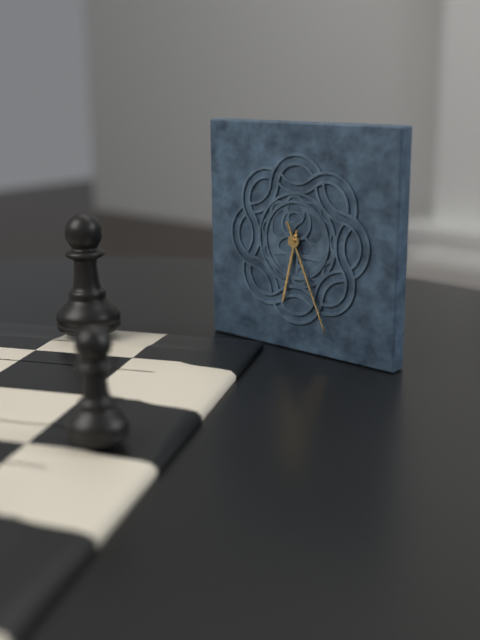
6:26
